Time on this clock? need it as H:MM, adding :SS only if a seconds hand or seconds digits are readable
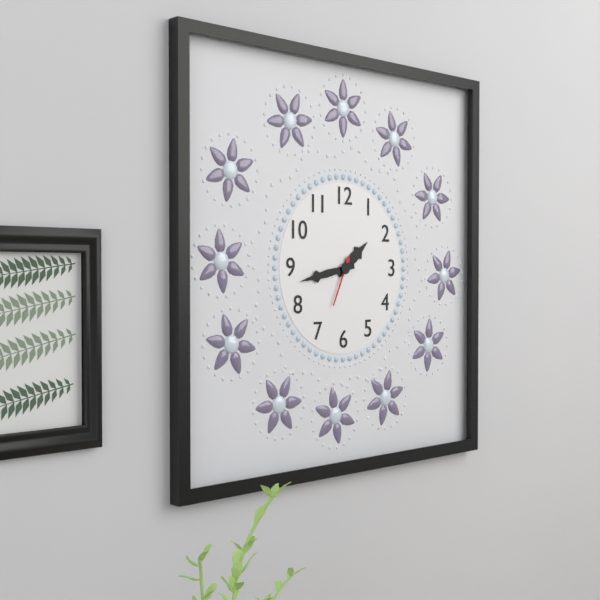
1:43
